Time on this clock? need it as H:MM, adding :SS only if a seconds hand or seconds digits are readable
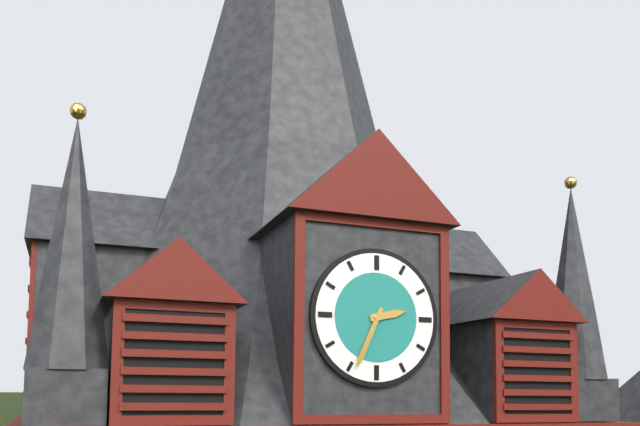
2:34
